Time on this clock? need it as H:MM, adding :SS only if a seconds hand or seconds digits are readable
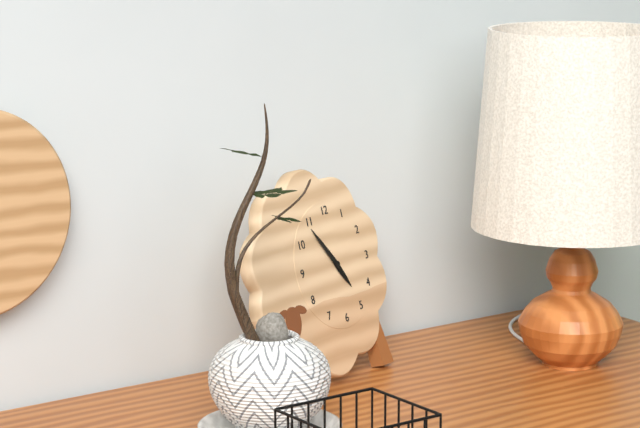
4:54
